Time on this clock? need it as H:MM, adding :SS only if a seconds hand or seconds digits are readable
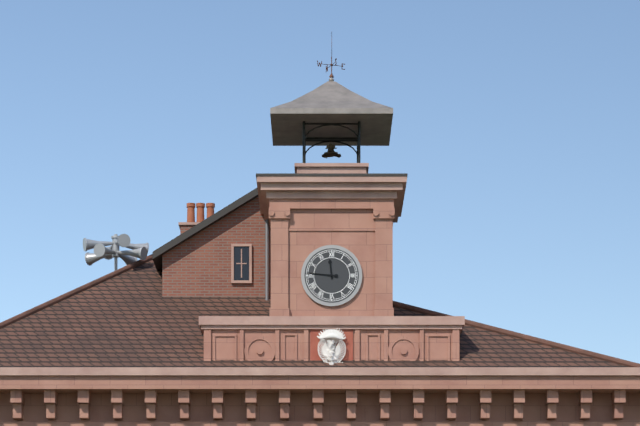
11:46
